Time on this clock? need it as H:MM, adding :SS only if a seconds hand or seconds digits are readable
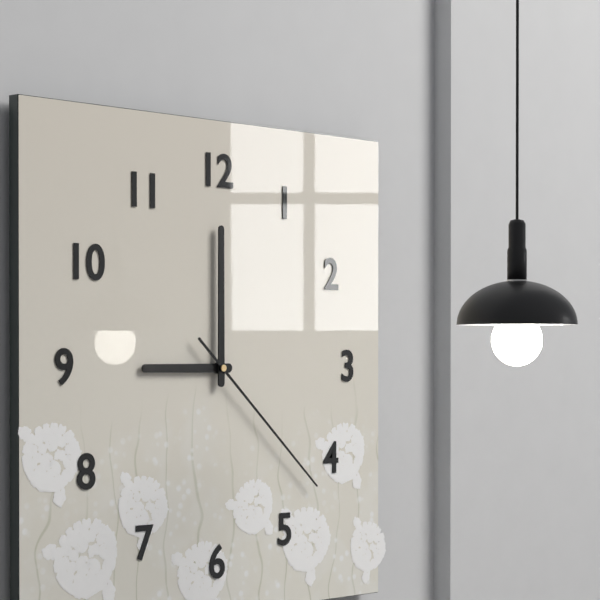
9:00:22
